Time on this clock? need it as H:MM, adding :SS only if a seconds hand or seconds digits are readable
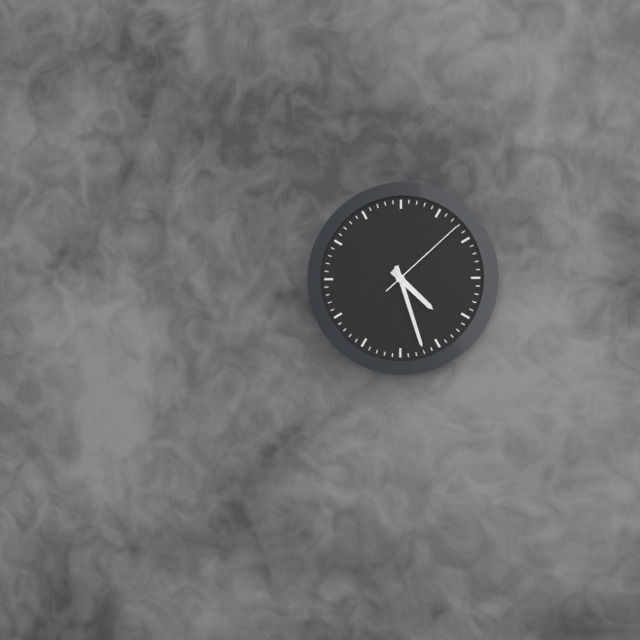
4:27:08
